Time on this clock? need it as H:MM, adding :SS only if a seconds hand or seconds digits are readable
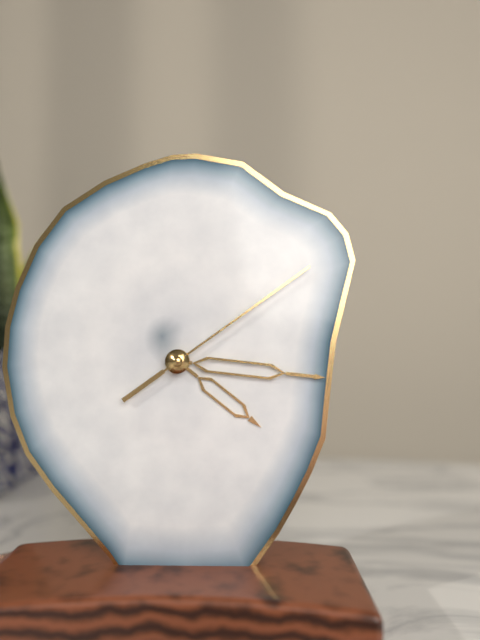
4:16:09
